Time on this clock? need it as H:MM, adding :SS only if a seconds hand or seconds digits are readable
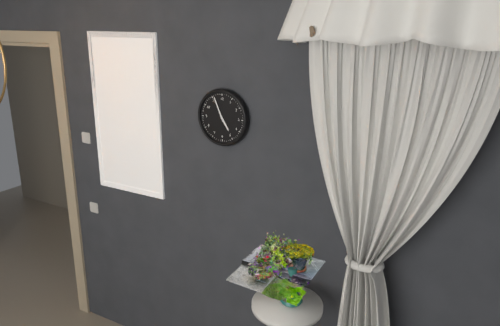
4:56
